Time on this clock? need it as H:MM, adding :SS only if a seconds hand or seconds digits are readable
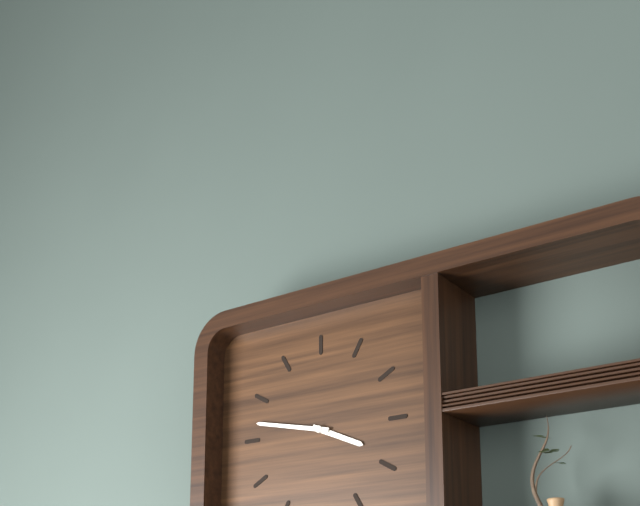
3:47
